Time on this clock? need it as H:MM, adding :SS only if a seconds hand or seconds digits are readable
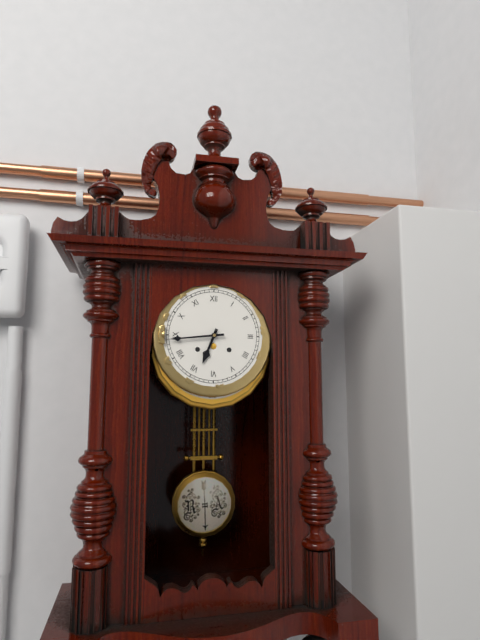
6:44
